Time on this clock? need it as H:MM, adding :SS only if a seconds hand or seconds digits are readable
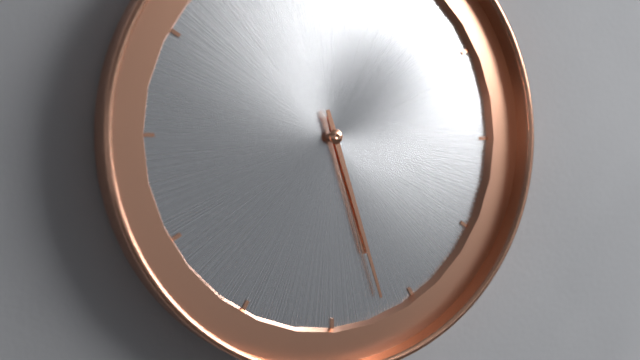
5:27
